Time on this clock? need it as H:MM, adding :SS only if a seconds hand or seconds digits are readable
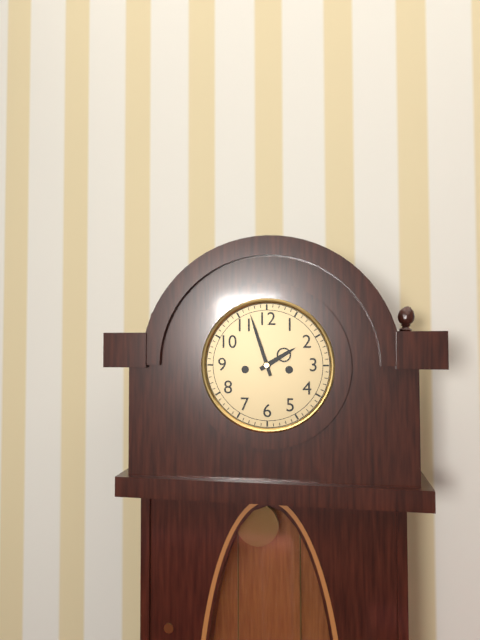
1:57
